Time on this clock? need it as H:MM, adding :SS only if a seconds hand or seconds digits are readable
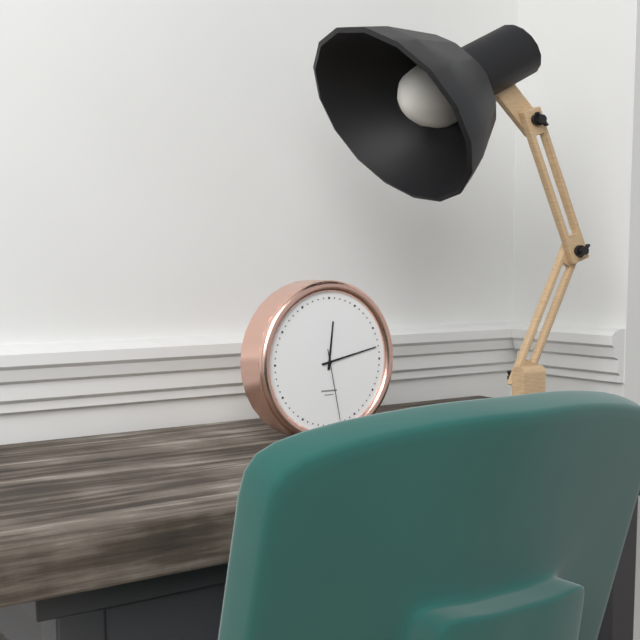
12:13:28
